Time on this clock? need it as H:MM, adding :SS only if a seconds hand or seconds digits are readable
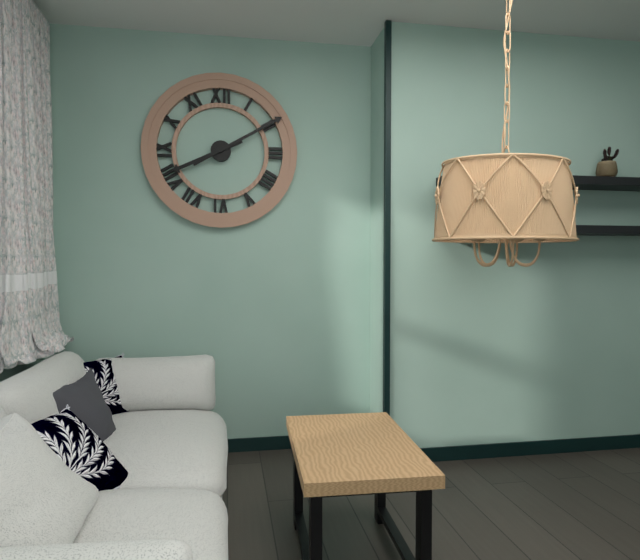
8:10
